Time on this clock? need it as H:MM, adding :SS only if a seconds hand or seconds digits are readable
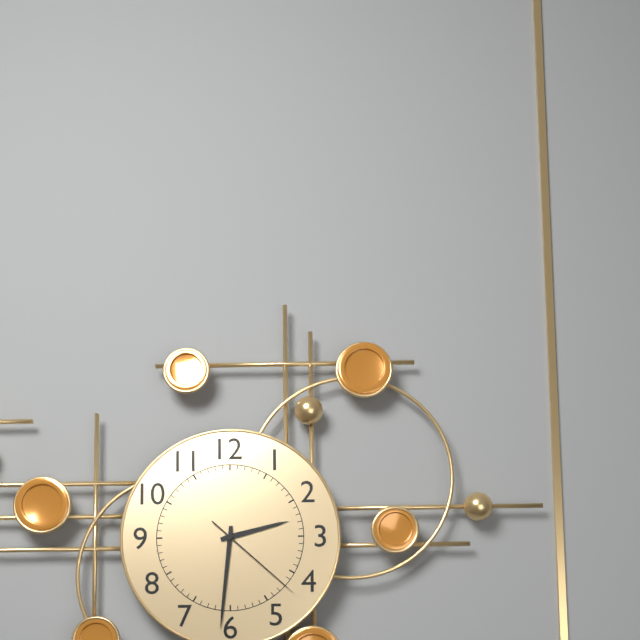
2:31:22
